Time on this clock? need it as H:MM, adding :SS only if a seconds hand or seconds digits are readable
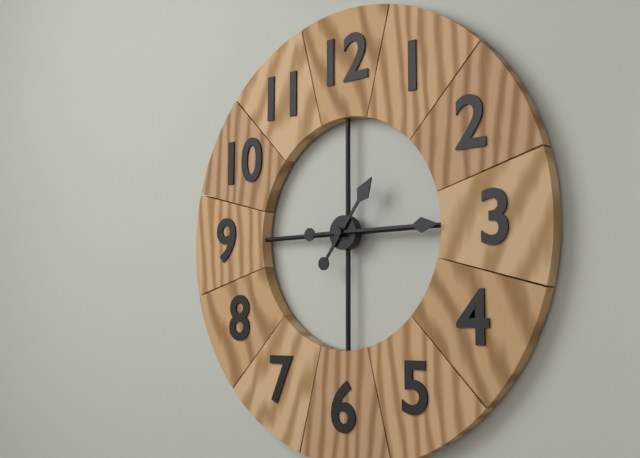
1:15
